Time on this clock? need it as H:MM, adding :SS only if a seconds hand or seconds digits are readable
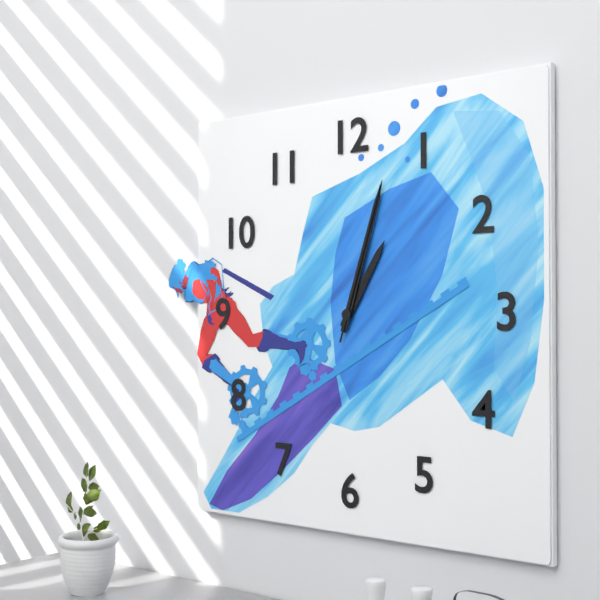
1:03:03
